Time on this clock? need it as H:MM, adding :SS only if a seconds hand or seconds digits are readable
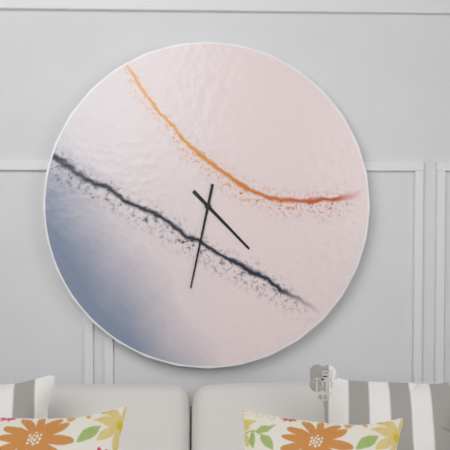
4:32
